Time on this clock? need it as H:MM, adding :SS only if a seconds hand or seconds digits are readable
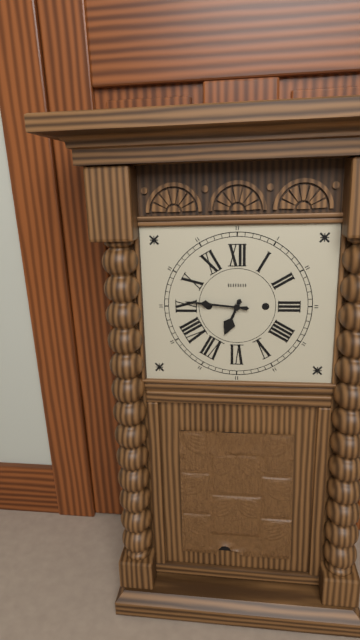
6:46
